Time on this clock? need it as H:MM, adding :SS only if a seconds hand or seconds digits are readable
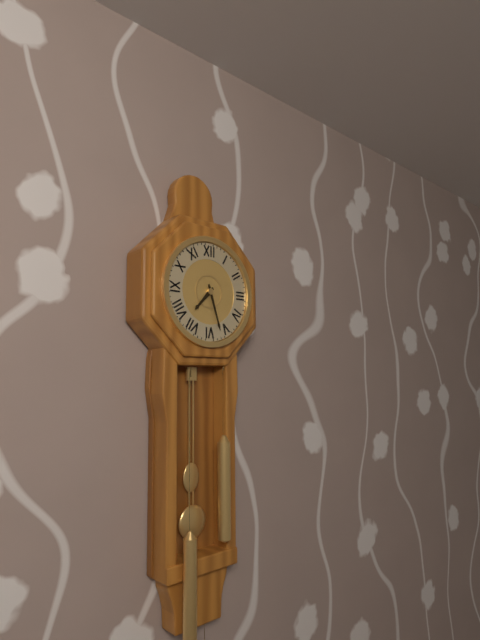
7:27
